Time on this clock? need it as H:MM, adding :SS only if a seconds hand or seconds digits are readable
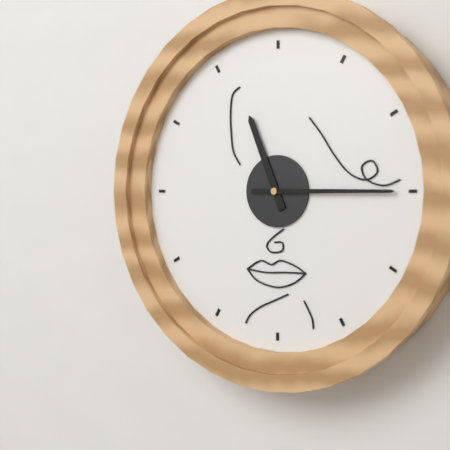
11:15
